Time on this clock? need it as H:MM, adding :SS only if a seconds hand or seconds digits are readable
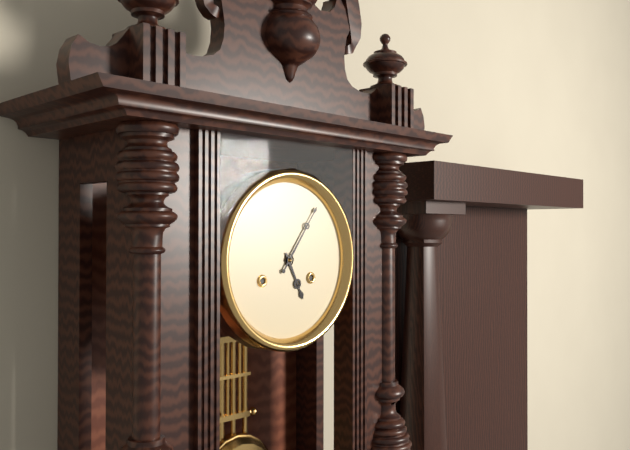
5:06
